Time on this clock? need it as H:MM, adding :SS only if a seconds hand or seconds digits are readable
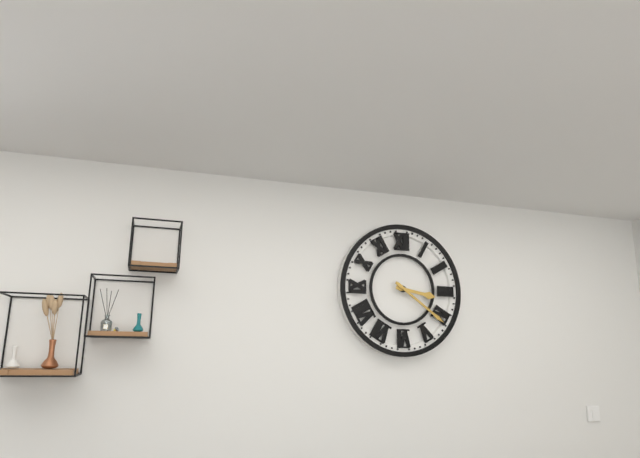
3:21
